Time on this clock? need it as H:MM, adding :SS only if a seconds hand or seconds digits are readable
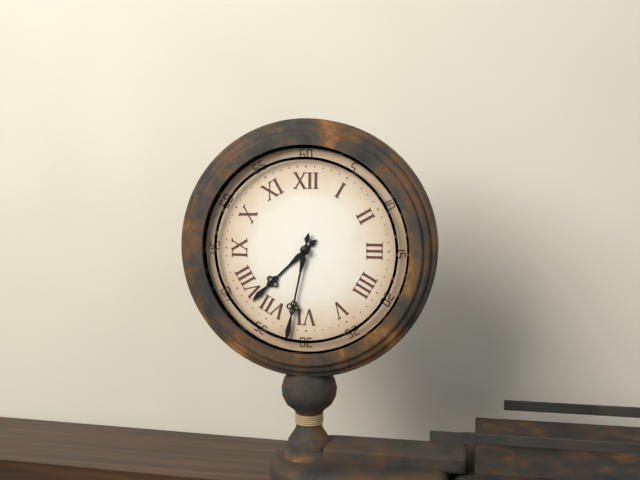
7:32
